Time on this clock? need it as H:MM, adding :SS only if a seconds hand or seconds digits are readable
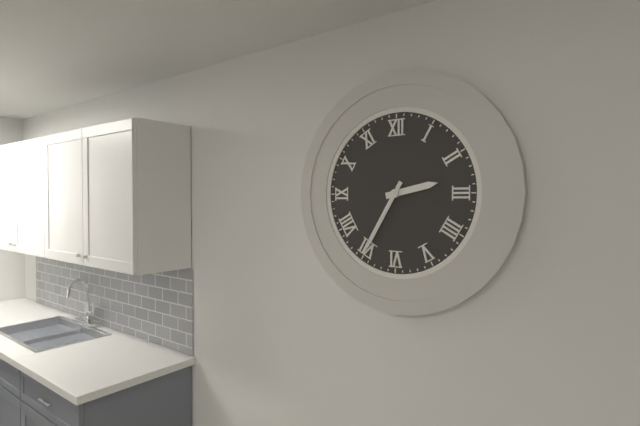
2:35
